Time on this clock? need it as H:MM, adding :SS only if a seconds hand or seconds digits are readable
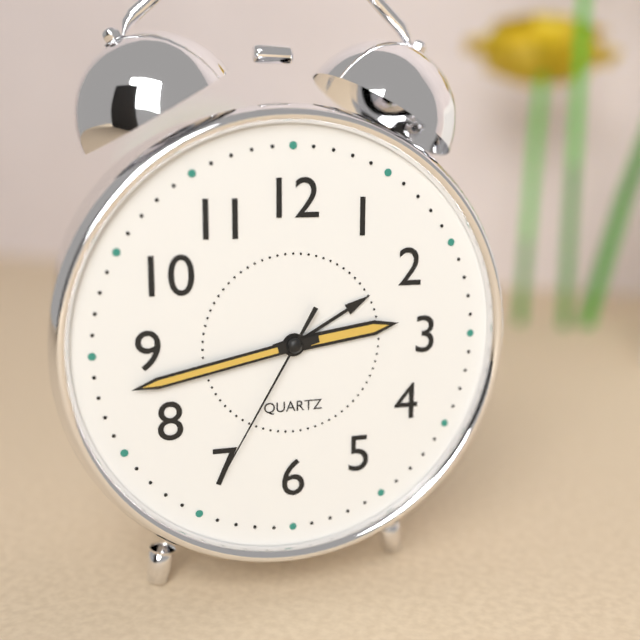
2:43:35
